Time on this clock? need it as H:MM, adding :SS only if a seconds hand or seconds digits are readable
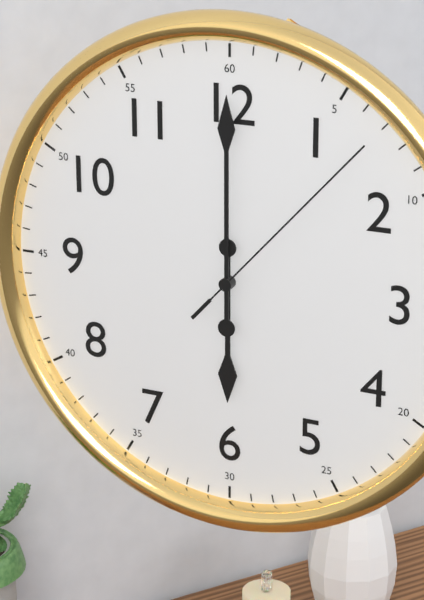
6:00:07
